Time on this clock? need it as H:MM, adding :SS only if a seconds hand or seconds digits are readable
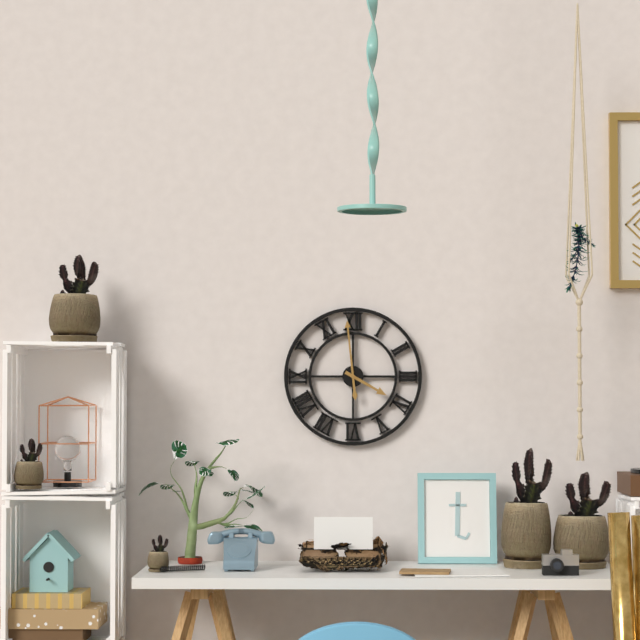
3:59
